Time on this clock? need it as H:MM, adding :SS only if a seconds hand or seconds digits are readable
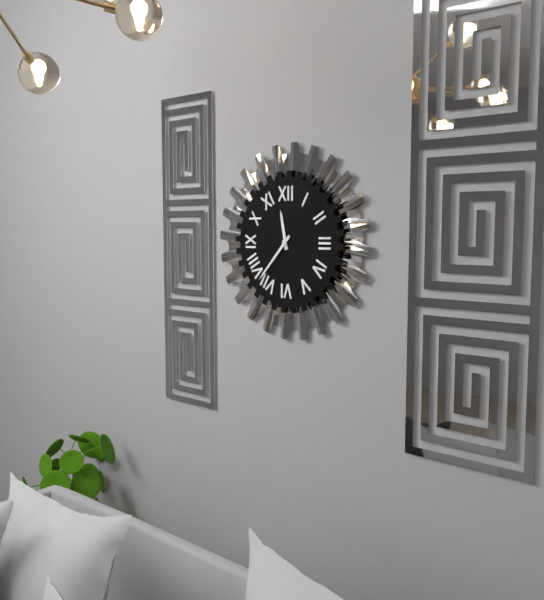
11:37
